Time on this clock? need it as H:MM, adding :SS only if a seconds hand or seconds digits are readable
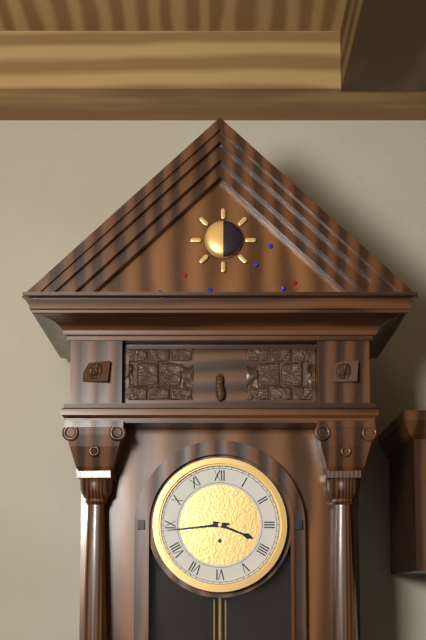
3:44
